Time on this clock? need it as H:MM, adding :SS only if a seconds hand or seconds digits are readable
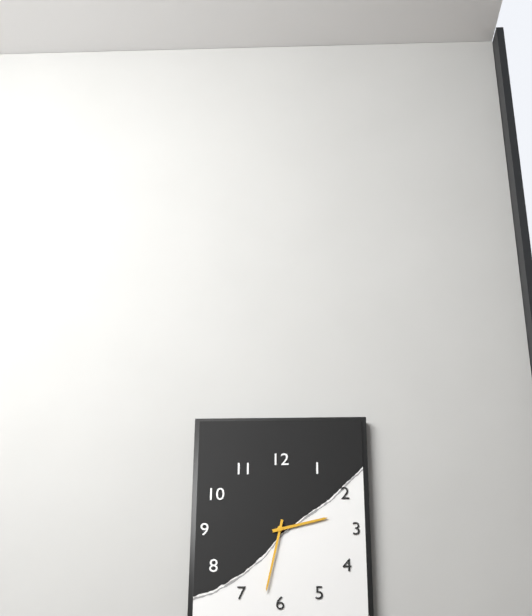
2:32
